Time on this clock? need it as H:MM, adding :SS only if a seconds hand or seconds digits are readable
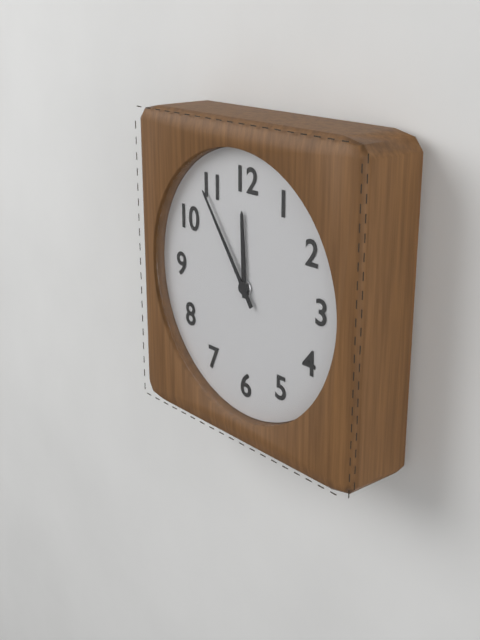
11:54
